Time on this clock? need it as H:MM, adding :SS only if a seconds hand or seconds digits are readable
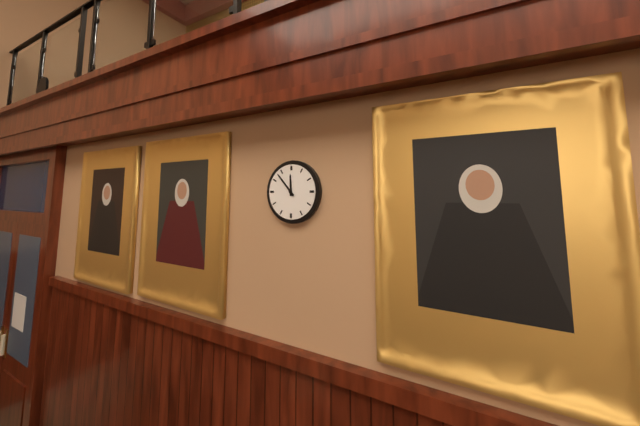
11:53
